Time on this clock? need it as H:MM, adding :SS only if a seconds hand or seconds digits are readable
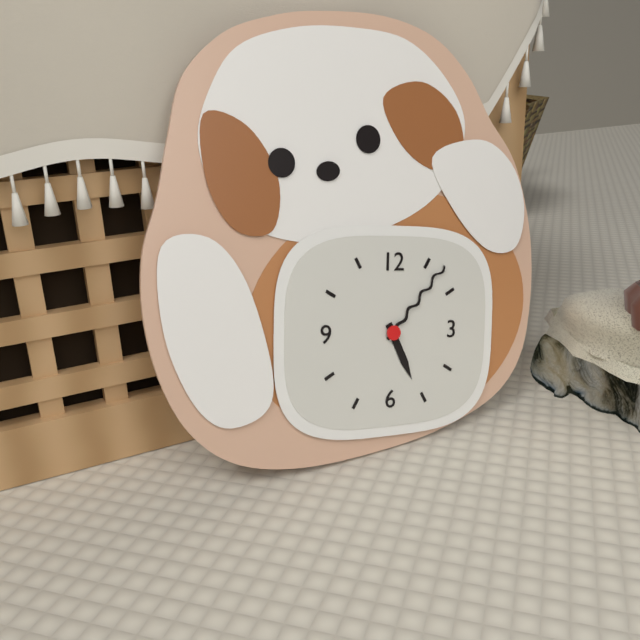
5:07
